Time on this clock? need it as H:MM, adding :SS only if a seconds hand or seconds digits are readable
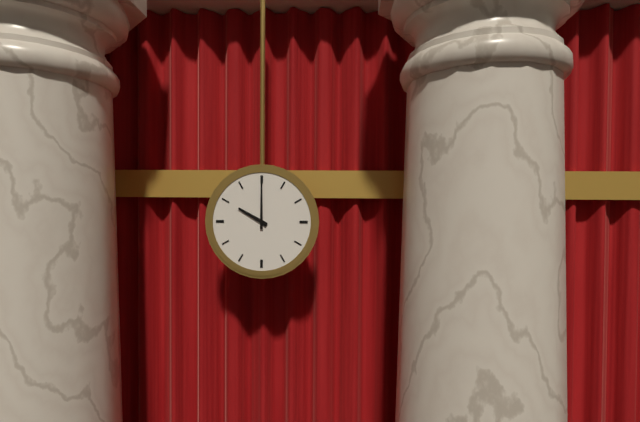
10:00
